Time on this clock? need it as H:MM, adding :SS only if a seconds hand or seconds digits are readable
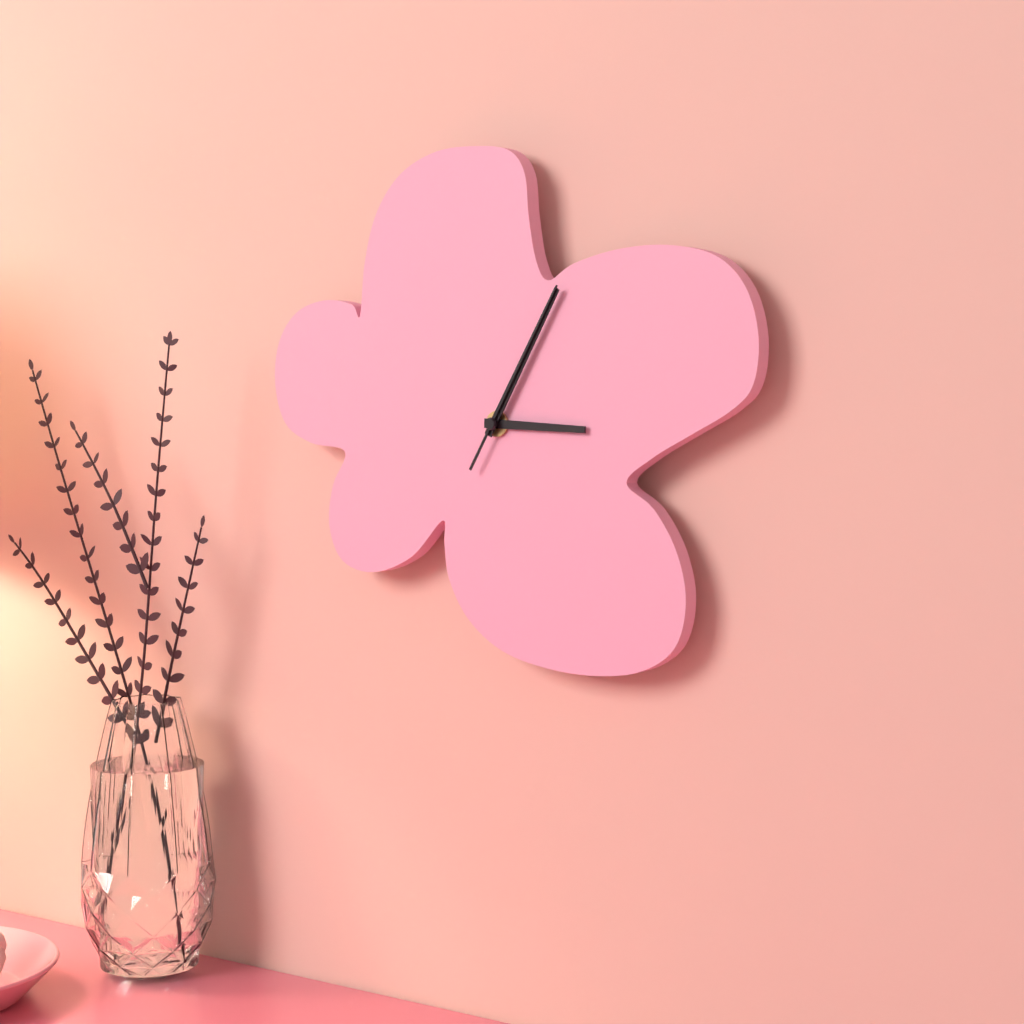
3:05:05
